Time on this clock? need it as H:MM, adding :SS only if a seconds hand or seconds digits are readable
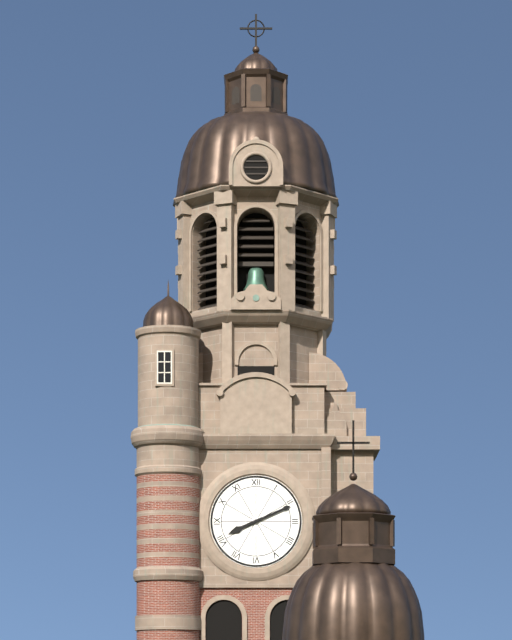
8:11
